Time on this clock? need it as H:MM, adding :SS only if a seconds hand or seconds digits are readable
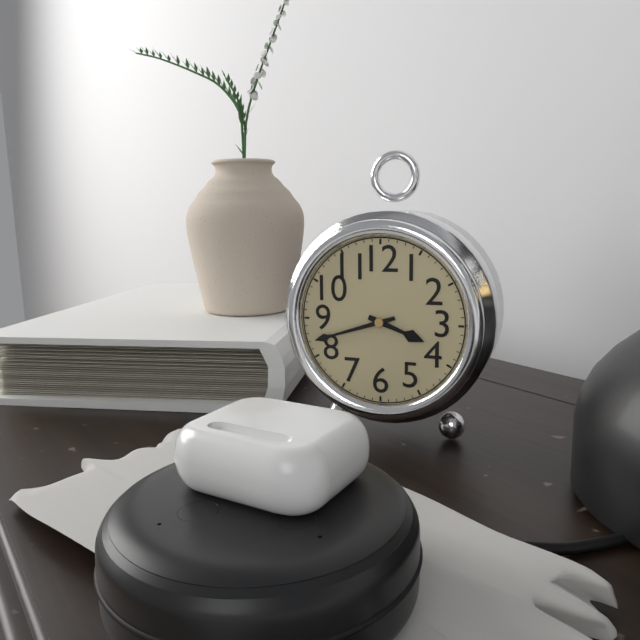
3:42
